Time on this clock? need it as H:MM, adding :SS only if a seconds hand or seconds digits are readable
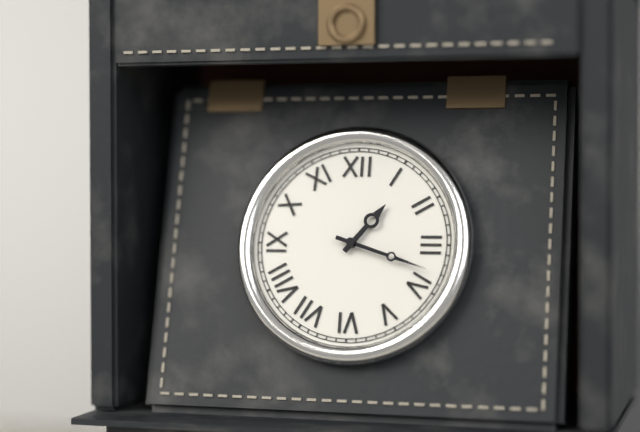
1:18
